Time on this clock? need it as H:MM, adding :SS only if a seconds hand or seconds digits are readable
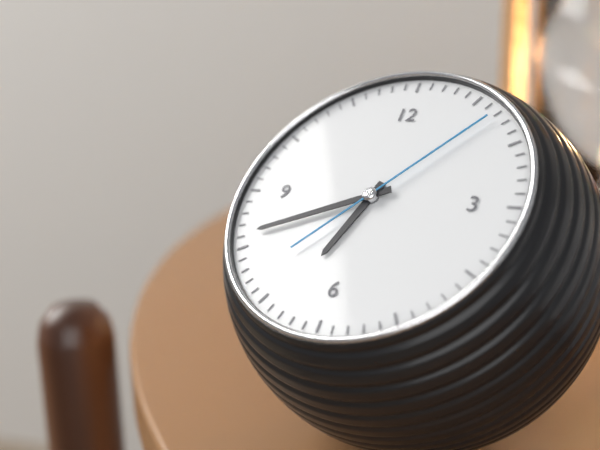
6:41:07
